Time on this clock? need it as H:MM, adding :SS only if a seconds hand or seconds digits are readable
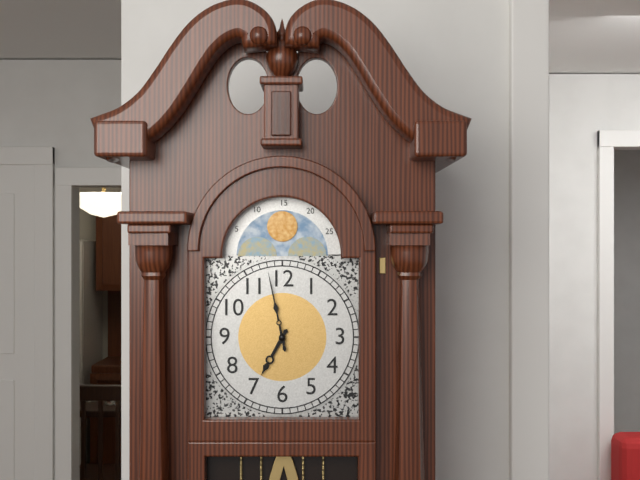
6:58
